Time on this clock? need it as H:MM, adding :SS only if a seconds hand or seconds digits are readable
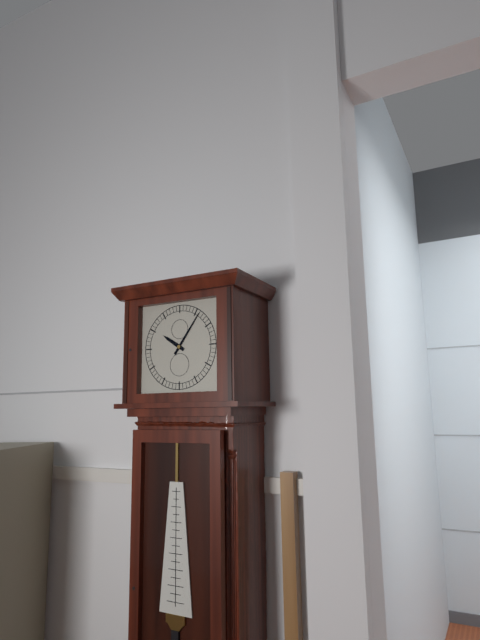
10:06
